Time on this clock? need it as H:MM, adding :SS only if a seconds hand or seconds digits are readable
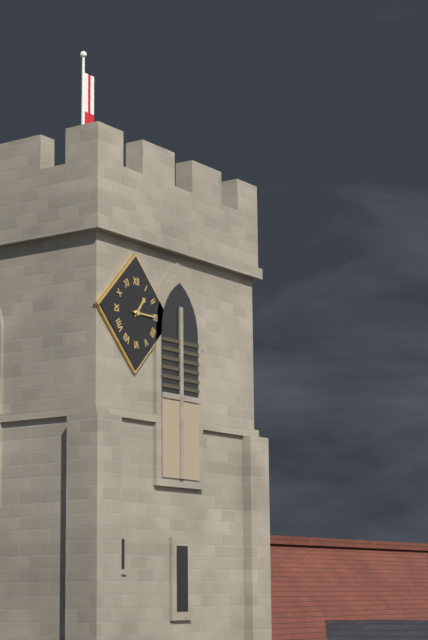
1:15
